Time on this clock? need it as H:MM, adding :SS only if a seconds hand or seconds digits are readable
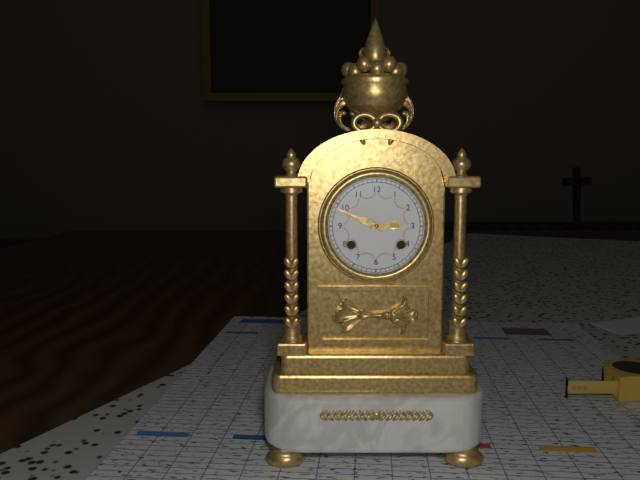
2:49
